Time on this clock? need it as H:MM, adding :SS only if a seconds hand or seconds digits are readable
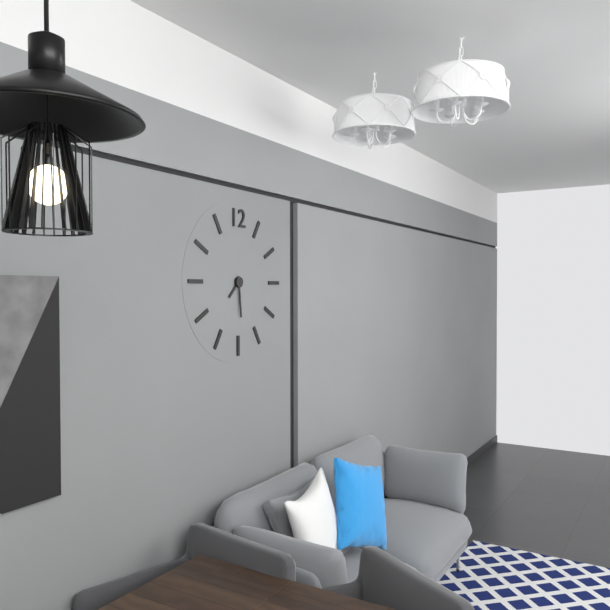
7:29
